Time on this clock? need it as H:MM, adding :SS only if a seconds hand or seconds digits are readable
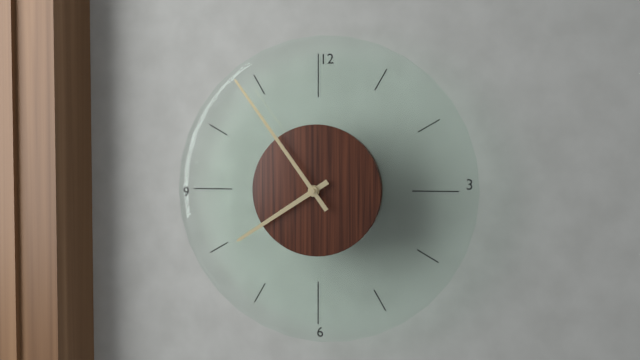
7:54
